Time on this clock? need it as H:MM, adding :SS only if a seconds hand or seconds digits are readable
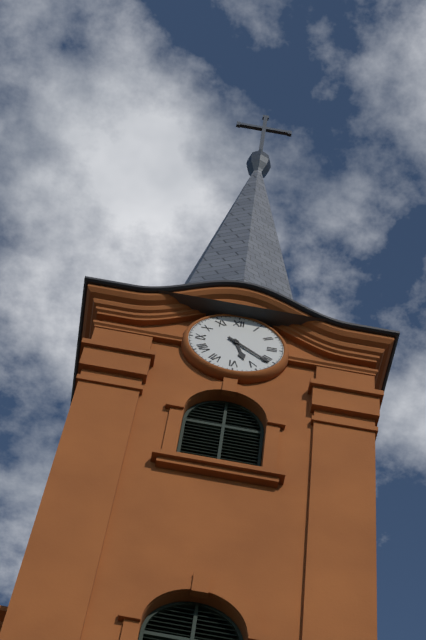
5:21
